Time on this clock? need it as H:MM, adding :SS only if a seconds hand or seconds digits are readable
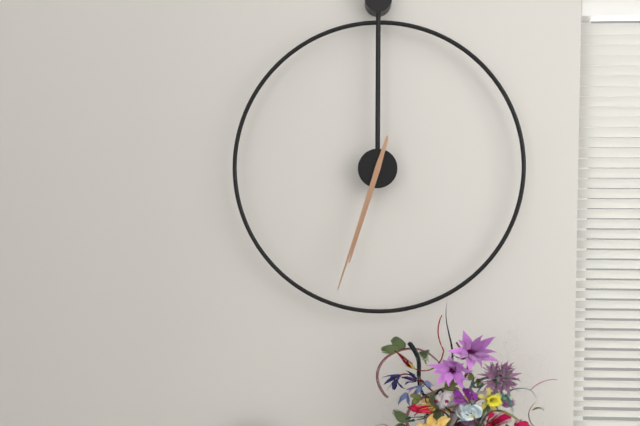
6:33
